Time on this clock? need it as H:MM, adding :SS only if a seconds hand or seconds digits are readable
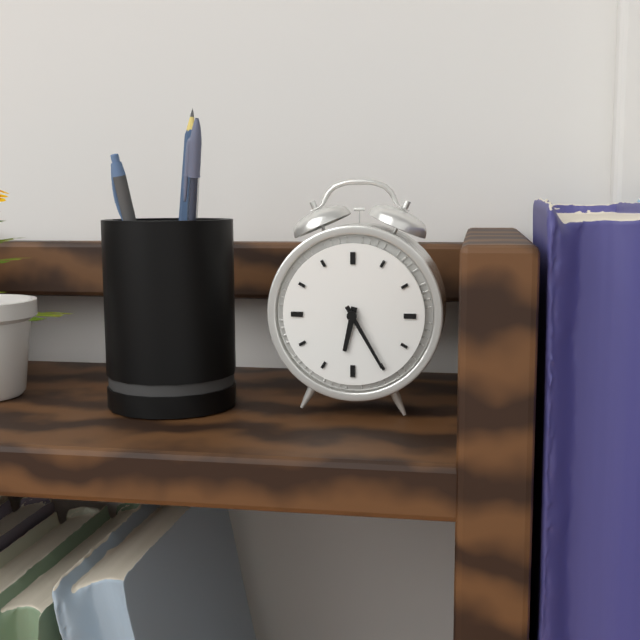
6:25
